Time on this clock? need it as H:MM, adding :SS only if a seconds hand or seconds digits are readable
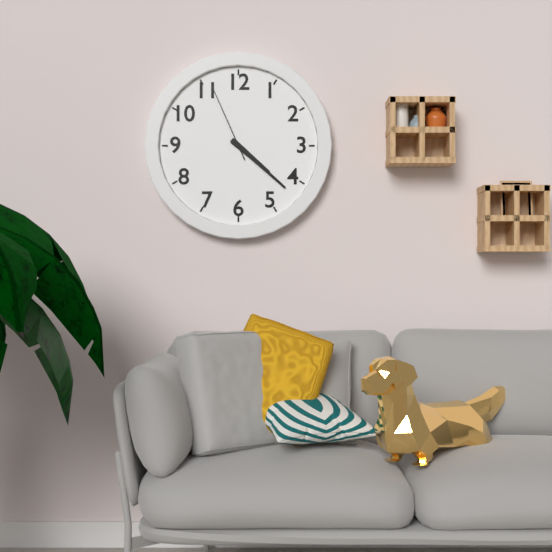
4:22:56
